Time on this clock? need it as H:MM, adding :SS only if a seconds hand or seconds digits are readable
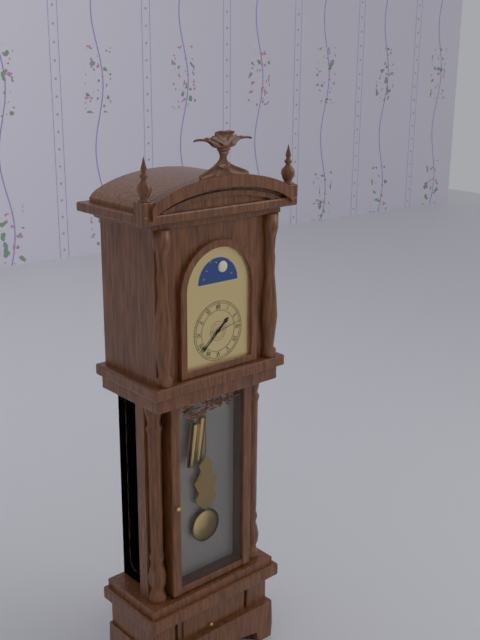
1:38
